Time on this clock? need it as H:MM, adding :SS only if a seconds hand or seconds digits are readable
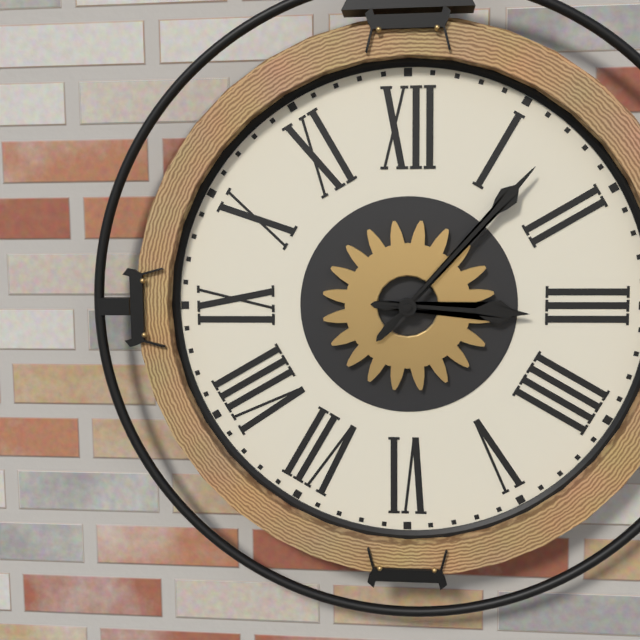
3:07
